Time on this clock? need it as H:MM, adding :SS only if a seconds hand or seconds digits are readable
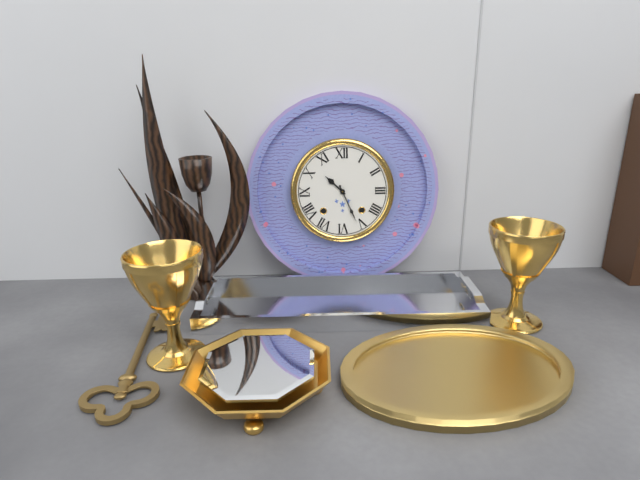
10:26
